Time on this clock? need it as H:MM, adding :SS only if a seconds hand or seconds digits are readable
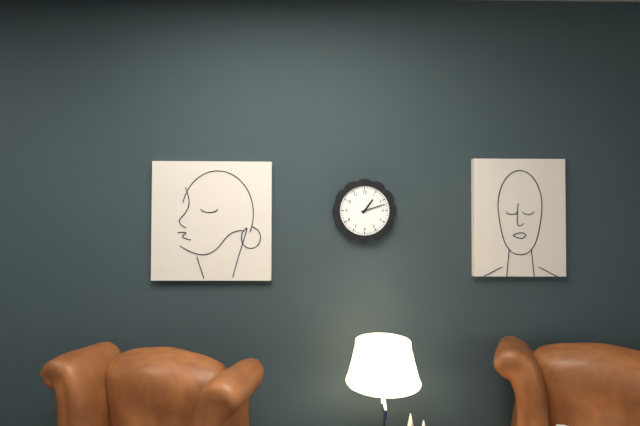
1:12
